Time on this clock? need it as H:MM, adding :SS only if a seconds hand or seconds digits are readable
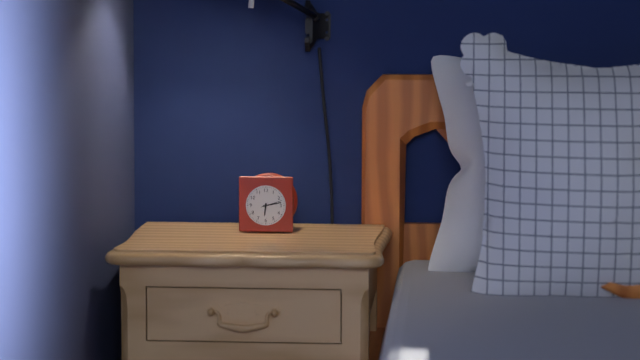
6:13
